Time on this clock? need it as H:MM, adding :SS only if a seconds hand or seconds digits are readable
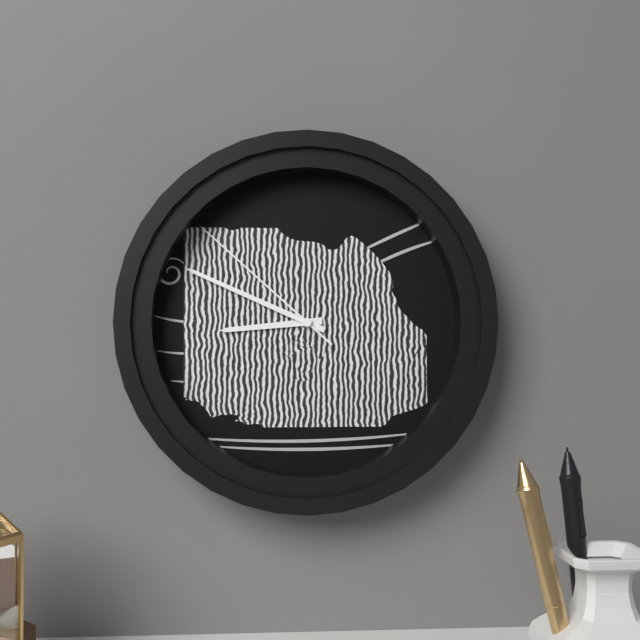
8:49:52
